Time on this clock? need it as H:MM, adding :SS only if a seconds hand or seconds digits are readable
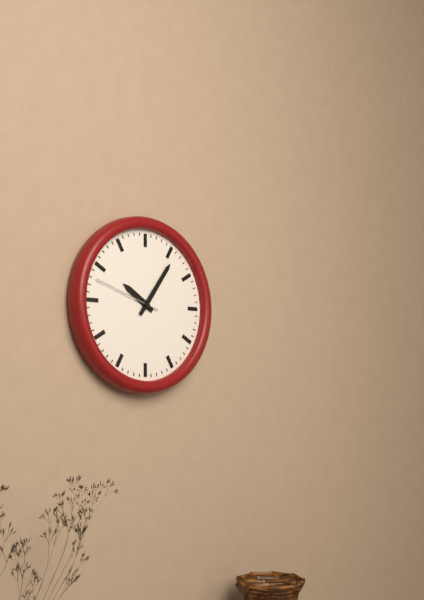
10:06:48
